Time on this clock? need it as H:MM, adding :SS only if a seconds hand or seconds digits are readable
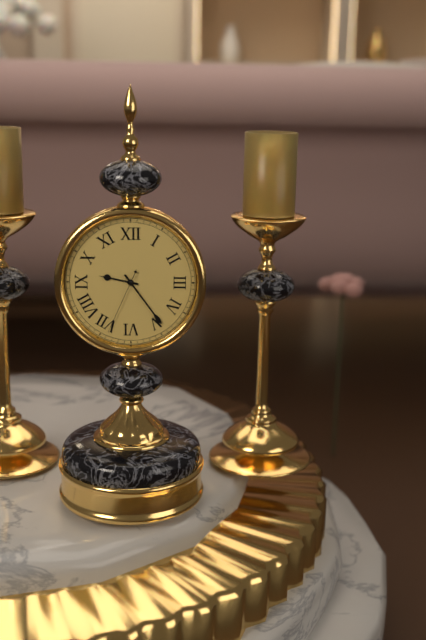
9:24:34
